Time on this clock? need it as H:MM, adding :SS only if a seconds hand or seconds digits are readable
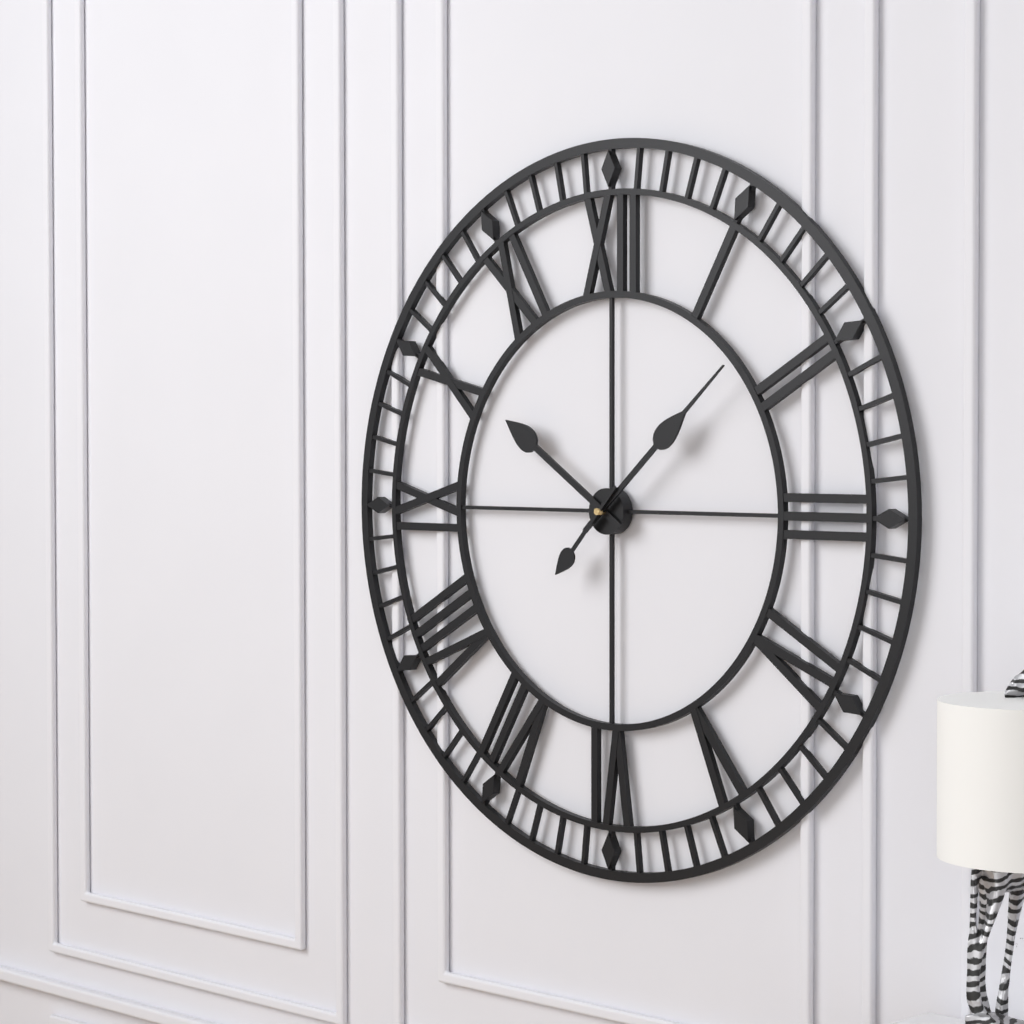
10:08:37
